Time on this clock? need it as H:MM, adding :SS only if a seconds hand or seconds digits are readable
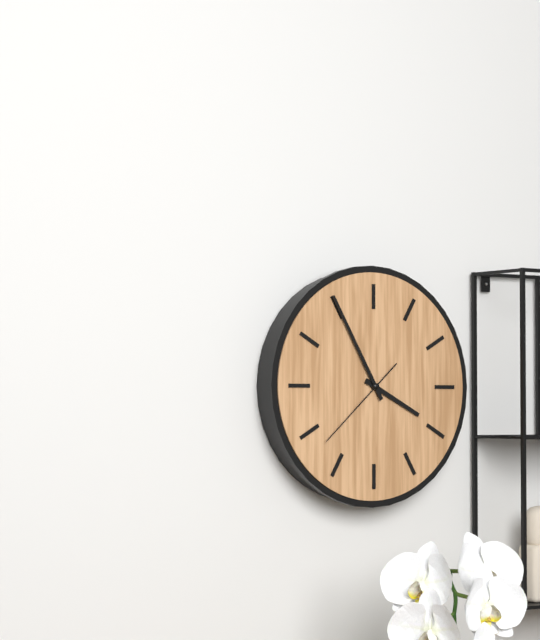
3:55:38
